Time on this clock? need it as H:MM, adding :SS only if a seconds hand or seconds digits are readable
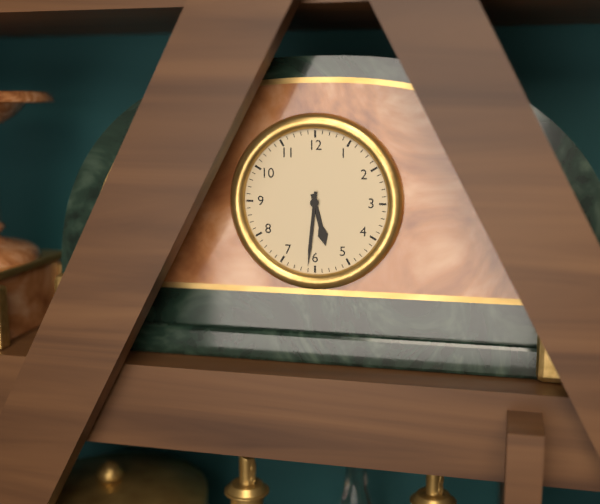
5:31
